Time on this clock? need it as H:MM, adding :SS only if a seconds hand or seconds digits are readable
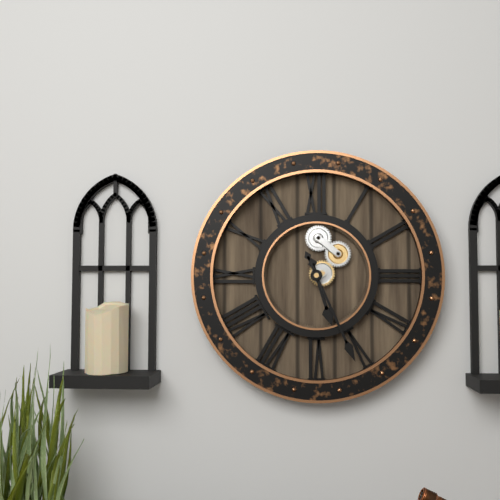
5:26
